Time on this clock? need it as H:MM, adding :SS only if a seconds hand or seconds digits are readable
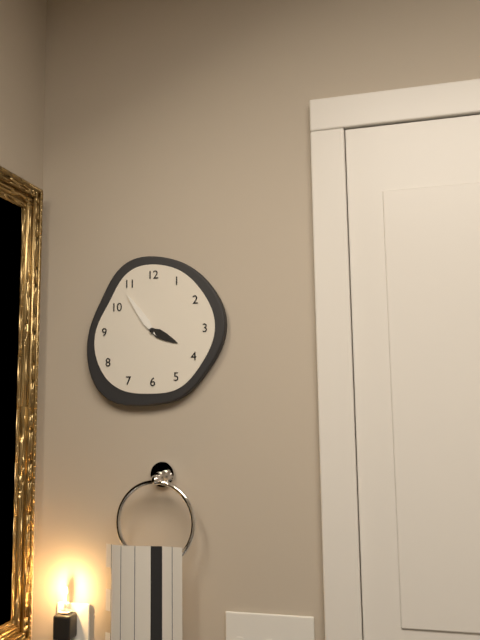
3:54
